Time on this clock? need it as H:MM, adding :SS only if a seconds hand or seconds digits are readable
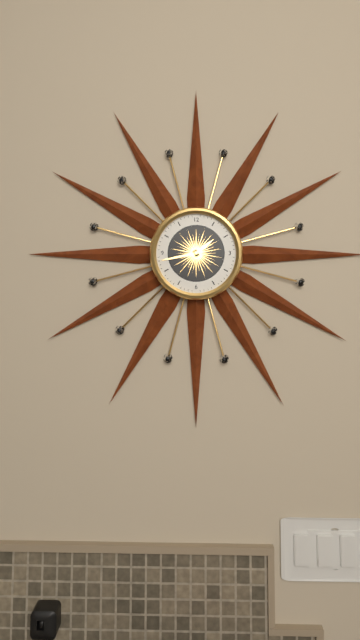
1:43
